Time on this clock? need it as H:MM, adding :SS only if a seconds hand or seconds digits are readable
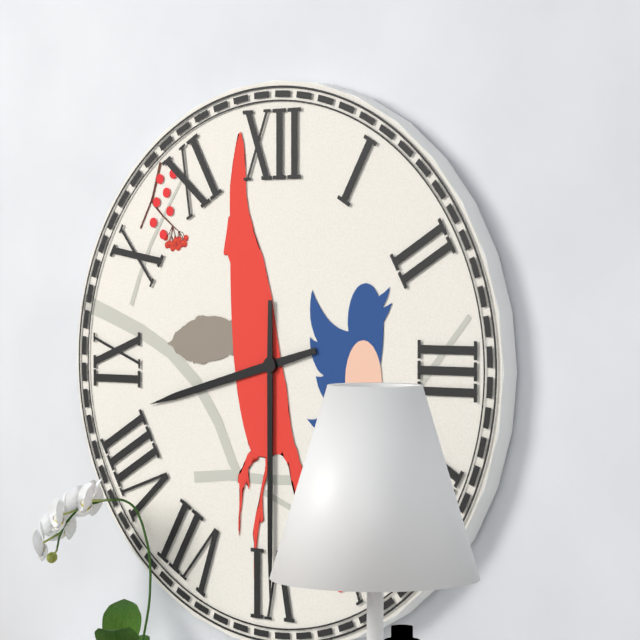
8:30
